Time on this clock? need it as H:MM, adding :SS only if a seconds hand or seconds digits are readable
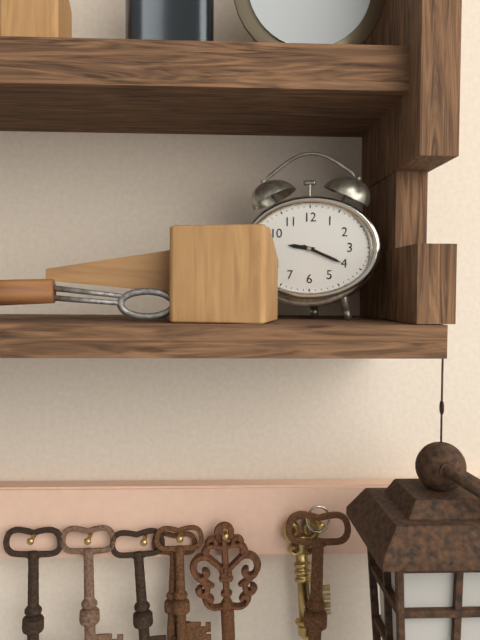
9:19
